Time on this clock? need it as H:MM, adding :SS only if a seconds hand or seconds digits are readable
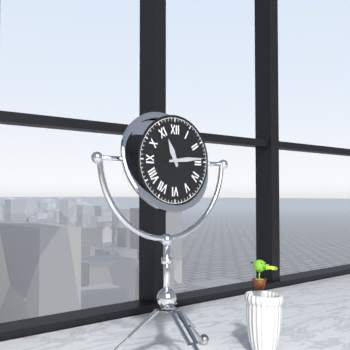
11:14
